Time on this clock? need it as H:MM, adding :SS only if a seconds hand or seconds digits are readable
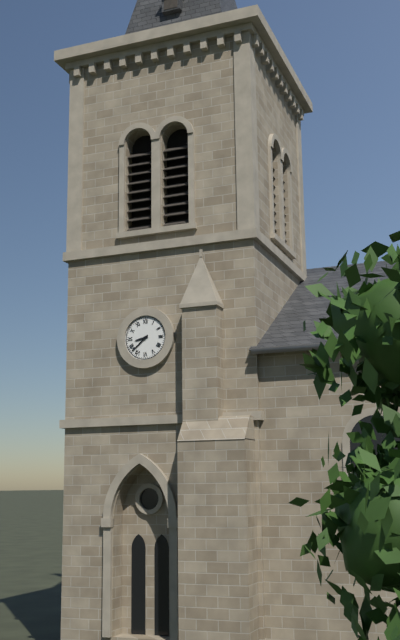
8:38
